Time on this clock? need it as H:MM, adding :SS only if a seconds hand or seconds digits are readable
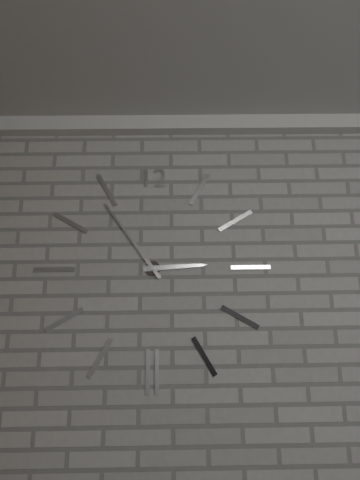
2:54
